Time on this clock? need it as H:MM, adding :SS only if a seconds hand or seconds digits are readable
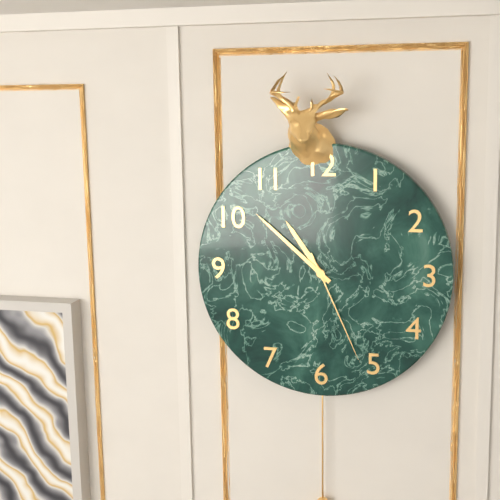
10:52:26
